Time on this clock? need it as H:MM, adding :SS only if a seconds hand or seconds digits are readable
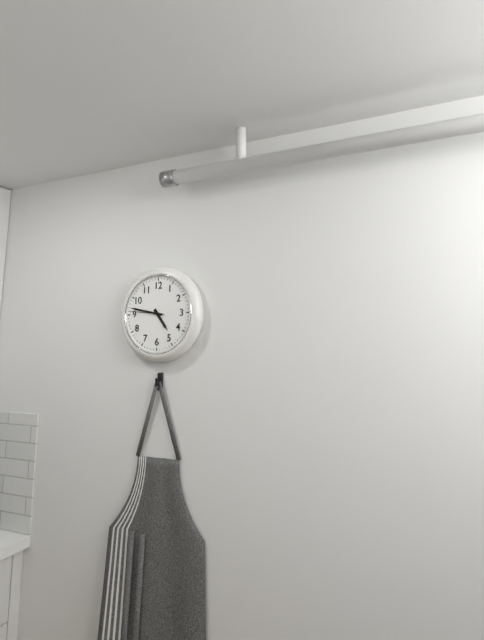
4:47
